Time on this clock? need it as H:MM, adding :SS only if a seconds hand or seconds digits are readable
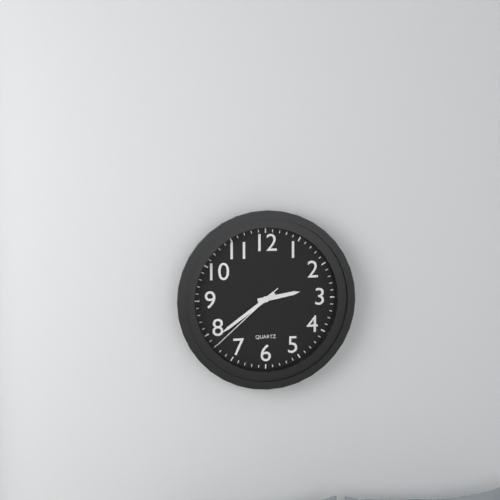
2:39:38
